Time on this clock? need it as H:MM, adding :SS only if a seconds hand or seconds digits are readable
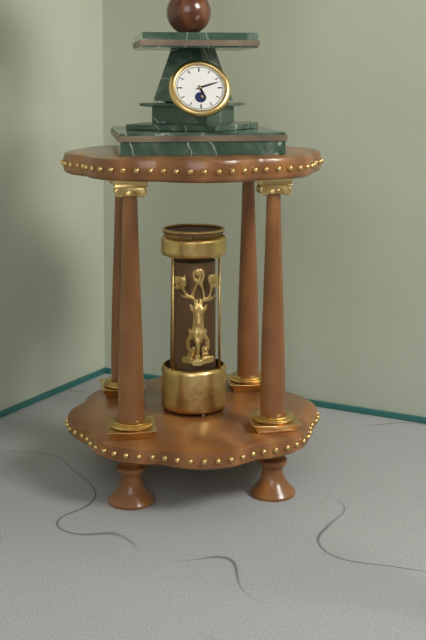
5:12
